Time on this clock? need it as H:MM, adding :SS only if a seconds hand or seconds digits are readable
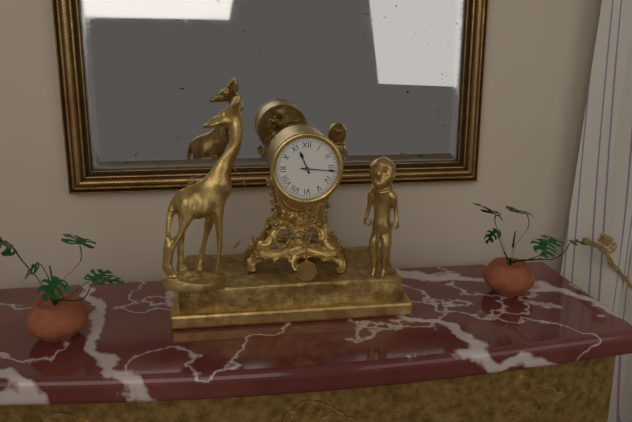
11:16
